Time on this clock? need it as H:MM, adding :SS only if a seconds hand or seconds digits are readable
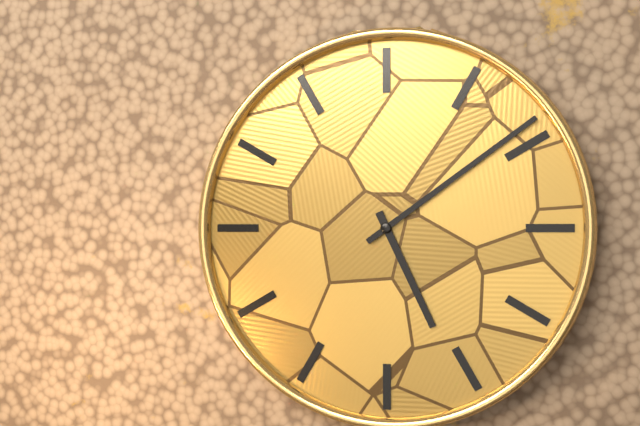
5:09
